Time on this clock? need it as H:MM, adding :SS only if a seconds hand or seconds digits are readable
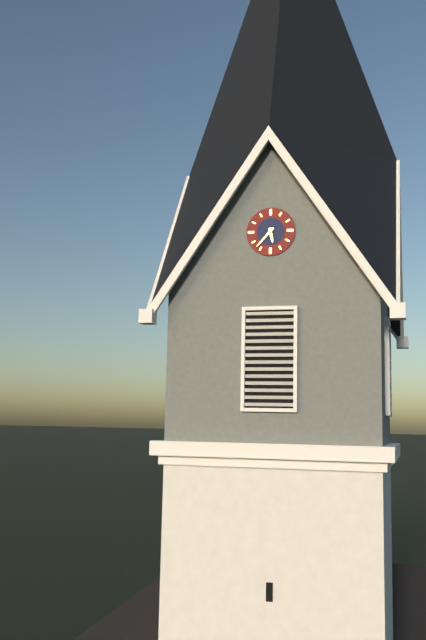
5:37
